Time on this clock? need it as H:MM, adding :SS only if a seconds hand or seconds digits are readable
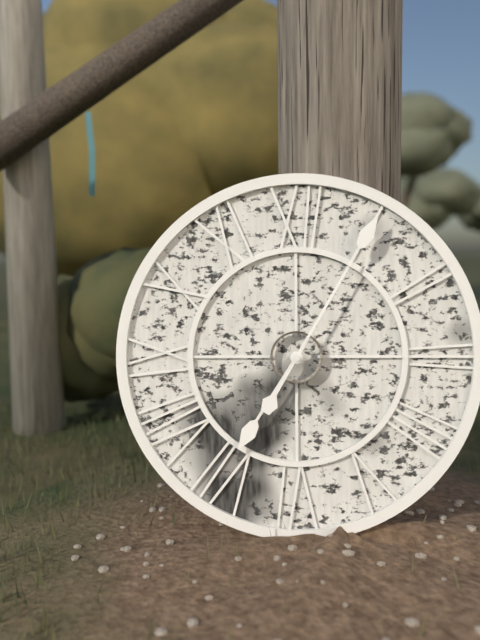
7:05
